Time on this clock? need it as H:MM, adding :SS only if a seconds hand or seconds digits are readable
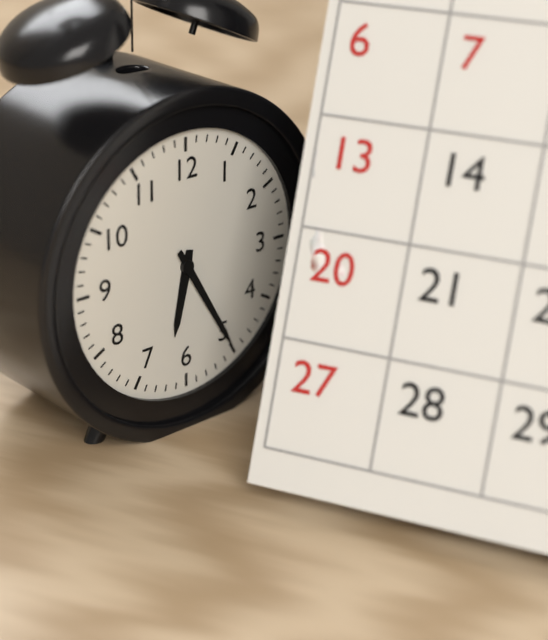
6:25
